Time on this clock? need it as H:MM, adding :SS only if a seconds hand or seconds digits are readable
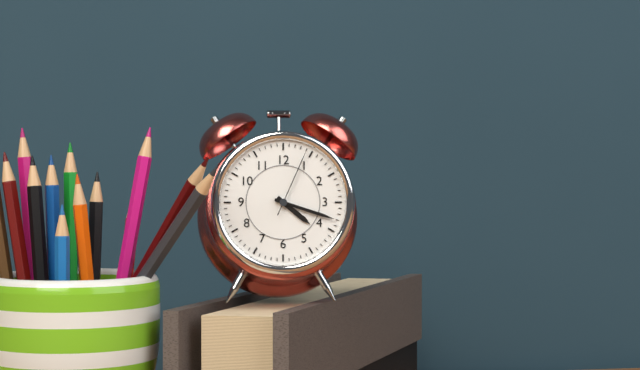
4:18:04
